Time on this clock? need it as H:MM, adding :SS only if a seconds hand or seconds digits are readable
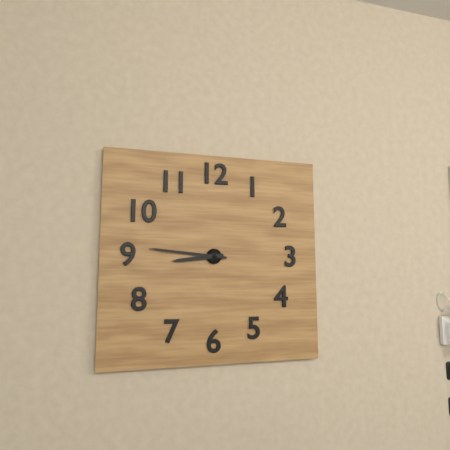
8:46
